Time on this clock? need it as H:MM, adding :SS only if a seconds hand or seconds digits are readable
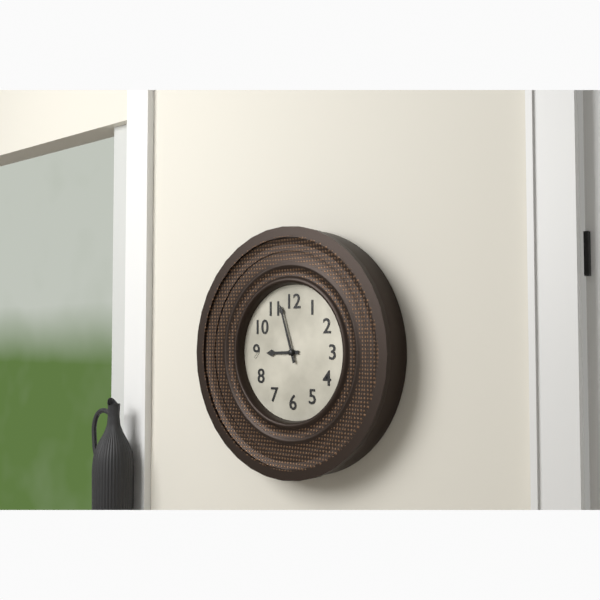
8:57
